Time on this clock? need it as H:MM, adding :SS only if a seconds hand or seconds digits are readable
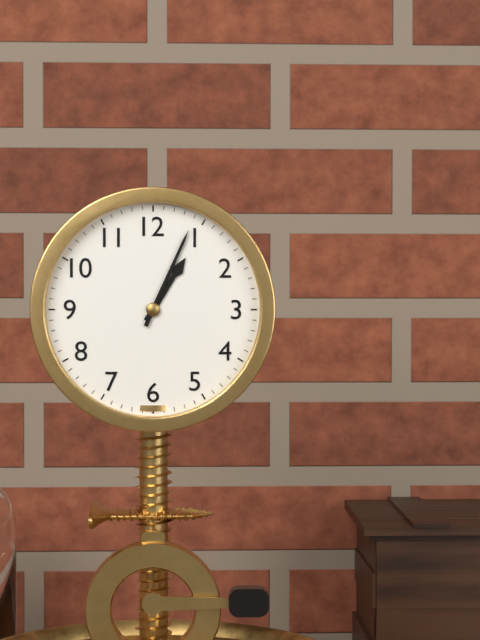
1:04
